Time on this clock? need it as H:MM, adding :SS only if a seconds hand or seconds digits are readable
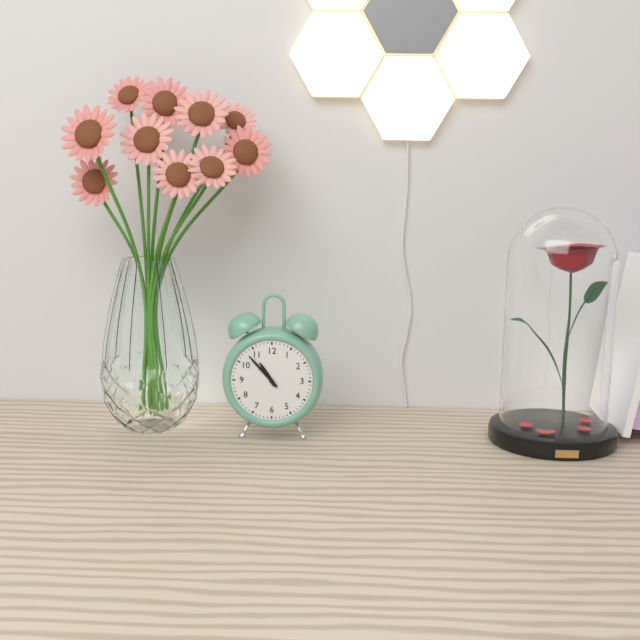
10:53
